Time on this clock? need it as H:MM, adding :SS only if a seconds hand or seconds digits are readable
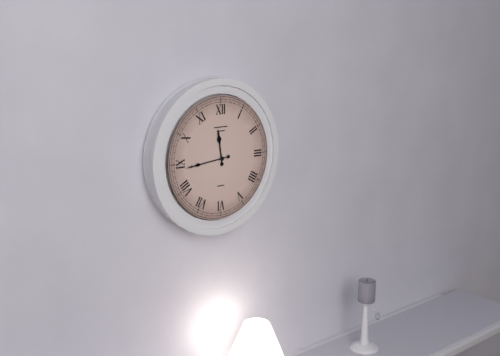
11:44
